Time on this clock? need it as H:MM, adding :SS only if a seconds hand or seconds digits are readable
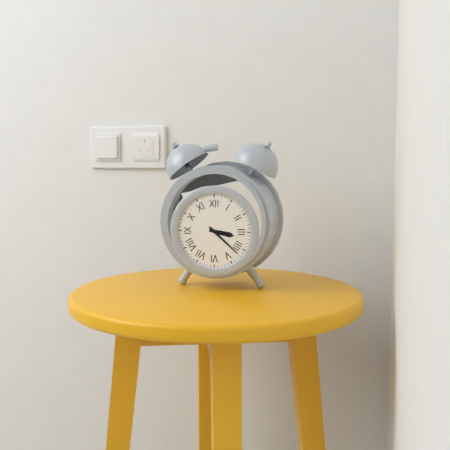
3:22
